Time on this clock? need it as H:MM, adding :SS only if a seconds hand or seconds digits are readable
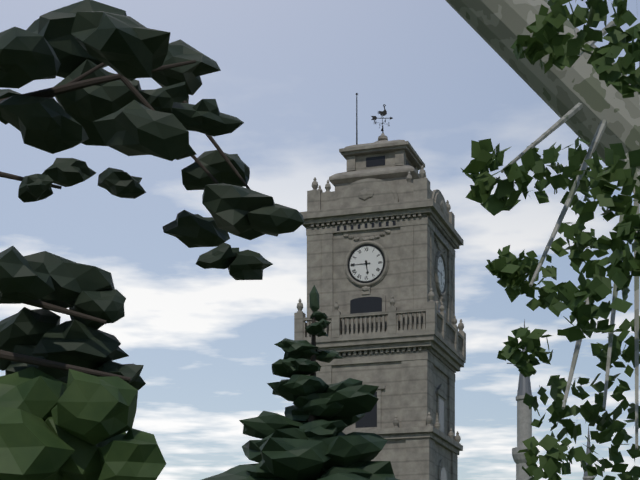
5:45
